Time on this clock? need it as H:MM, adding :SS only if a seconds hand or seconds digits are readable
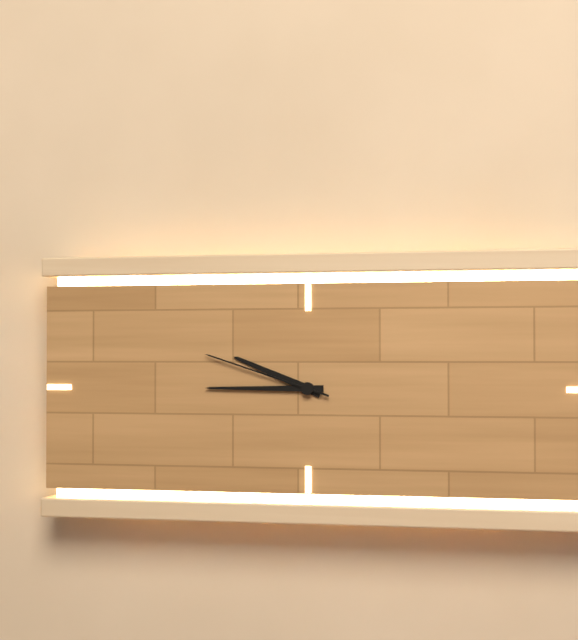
9:45:48
